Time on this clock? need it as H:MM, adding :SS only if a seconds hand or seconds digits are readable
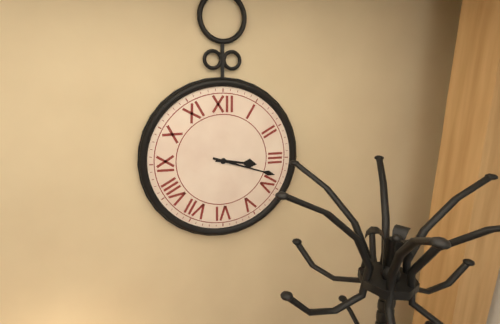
3:18
